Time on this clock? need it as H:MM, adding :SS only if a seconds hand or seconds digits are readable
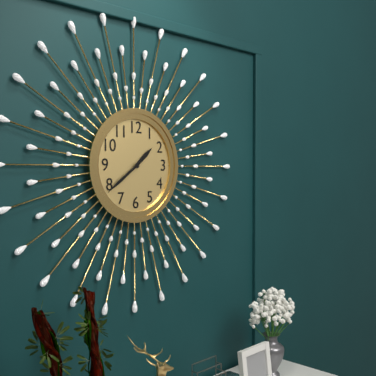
1:39
